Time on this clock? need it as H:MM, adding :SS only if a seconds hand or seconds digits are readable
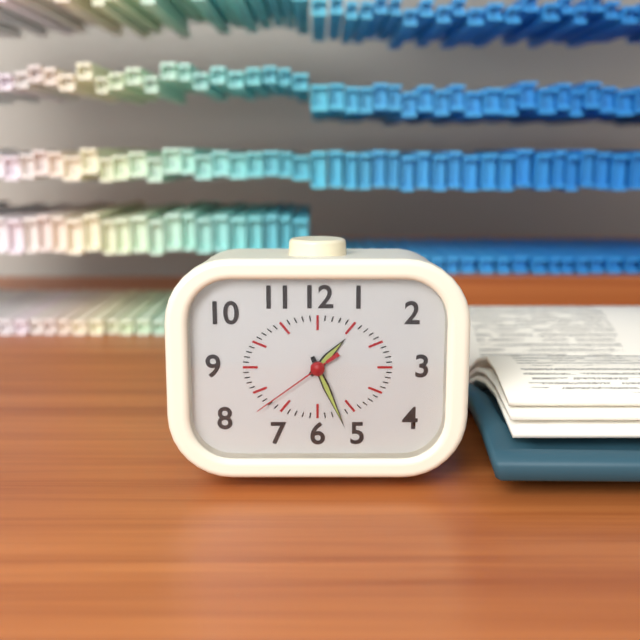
1:26:39
